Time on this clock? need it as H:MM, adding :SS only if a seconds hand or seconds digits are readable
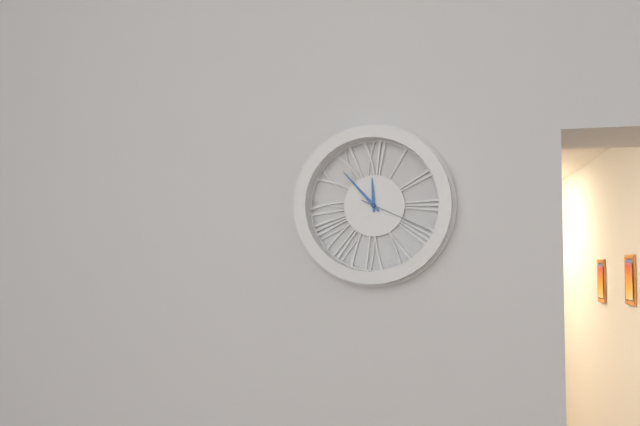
11:53:19
